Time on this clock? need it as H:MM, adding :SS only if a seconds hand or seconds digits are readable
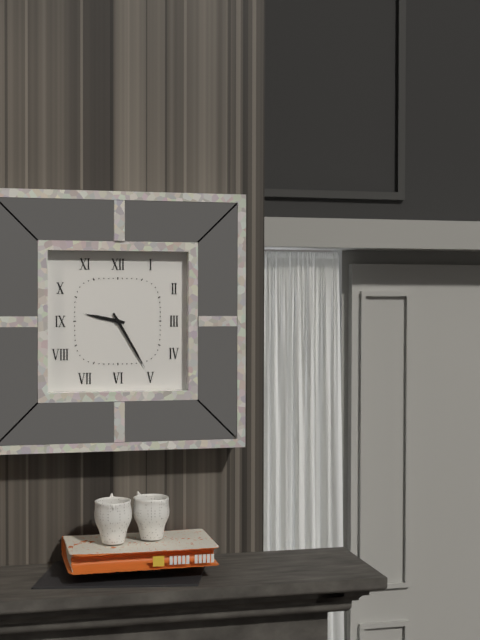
9:25
